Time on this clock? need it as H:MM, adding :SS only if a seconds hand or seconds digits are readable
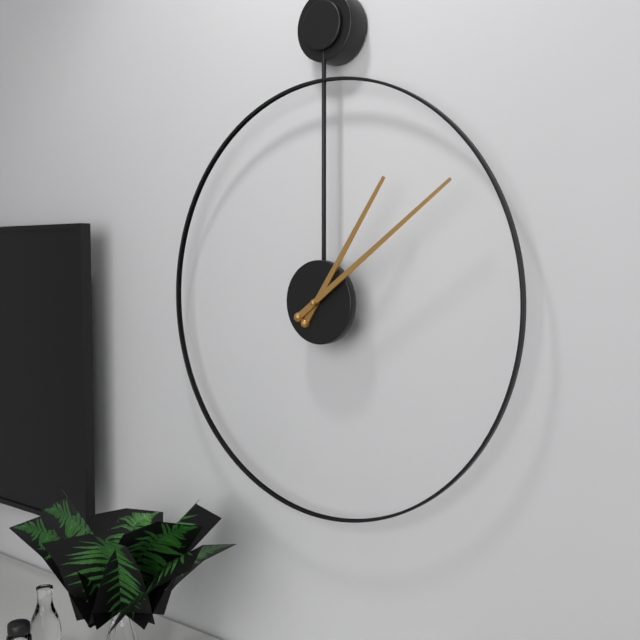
1:09
